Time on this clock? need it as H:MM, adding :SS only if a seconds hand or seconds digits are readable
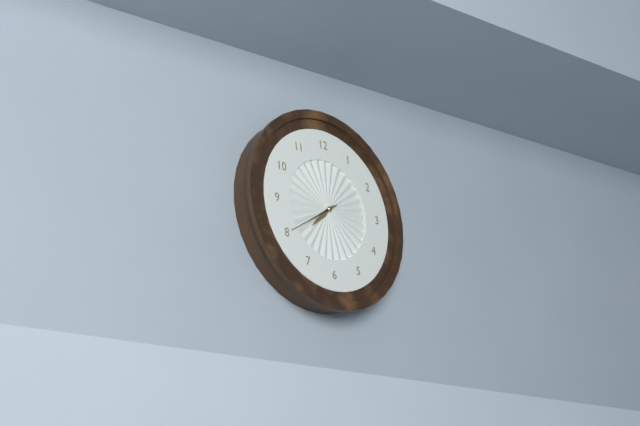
7:40
